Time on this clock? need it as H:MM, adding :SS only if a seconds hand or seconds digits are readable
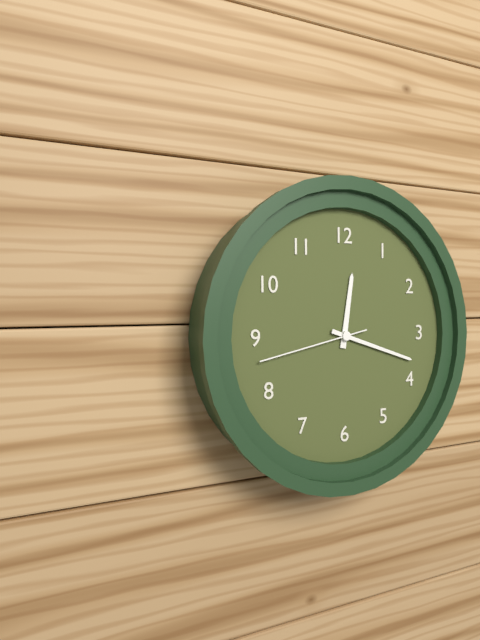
12:18:43
